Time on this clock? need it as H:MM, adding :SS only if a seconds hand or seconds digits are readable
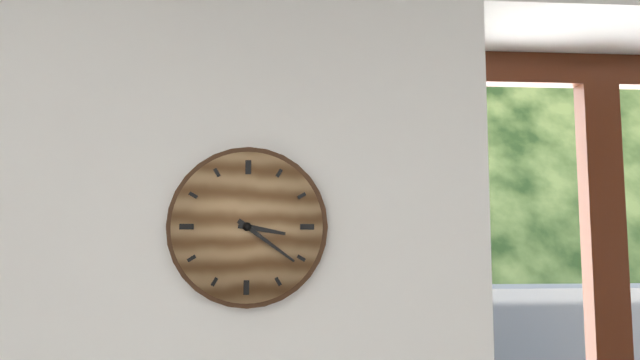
3:21
